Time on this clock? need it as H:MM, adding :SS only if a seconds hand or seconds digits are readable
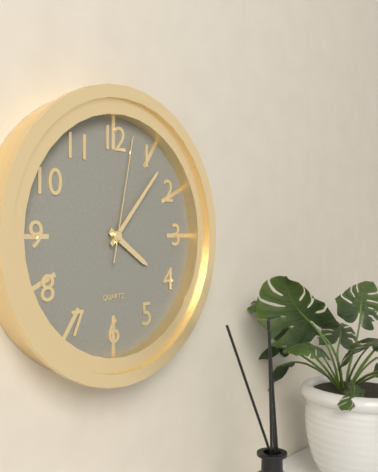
4:07:02
